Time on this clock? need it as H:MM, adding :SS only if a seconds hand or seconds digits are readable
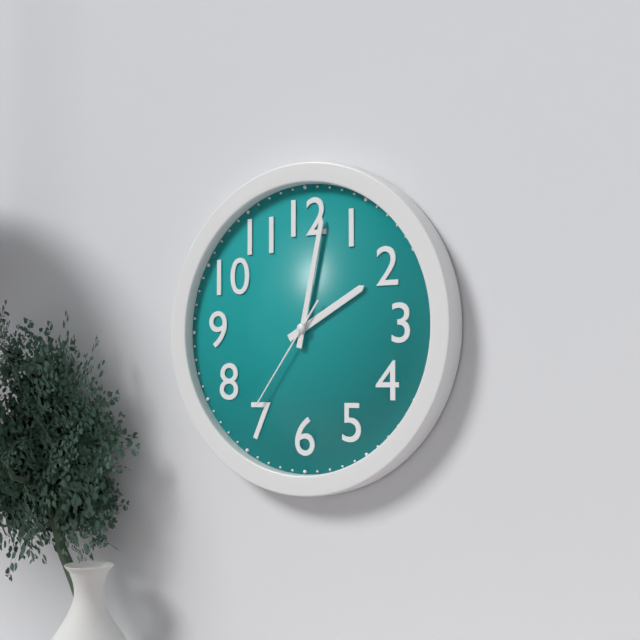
2:02:36
